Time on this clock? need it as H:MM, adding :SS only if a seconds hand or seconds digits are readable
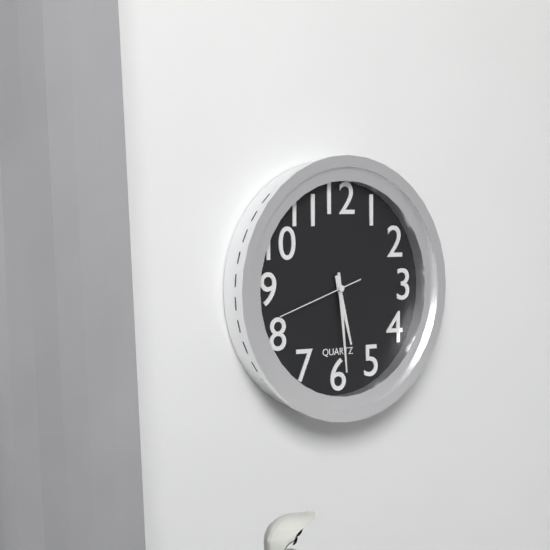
5:29:42
